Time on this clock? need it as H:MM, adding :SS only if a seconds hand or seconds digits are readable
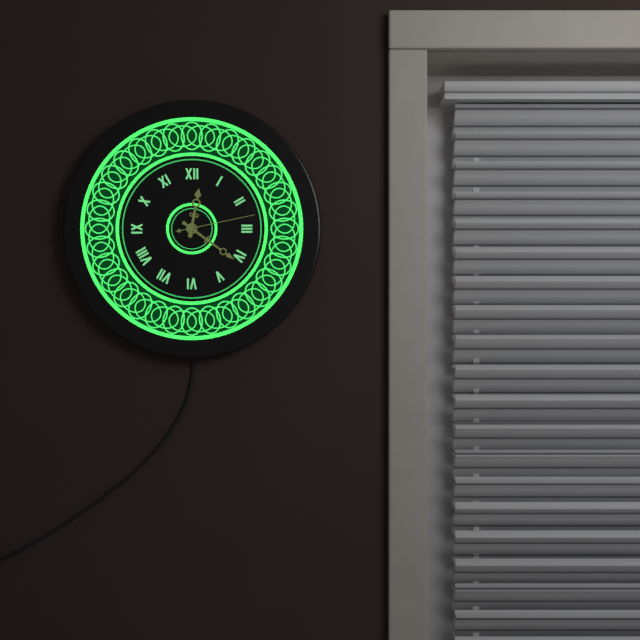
12:21:13
